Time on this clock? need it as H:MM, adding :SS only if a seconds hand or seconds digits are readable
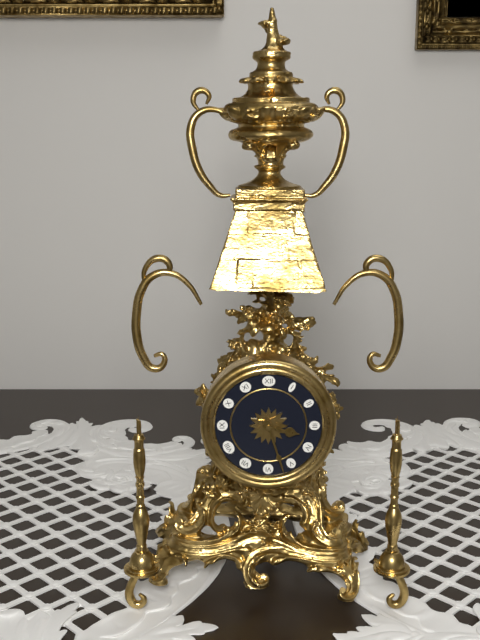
3:27
